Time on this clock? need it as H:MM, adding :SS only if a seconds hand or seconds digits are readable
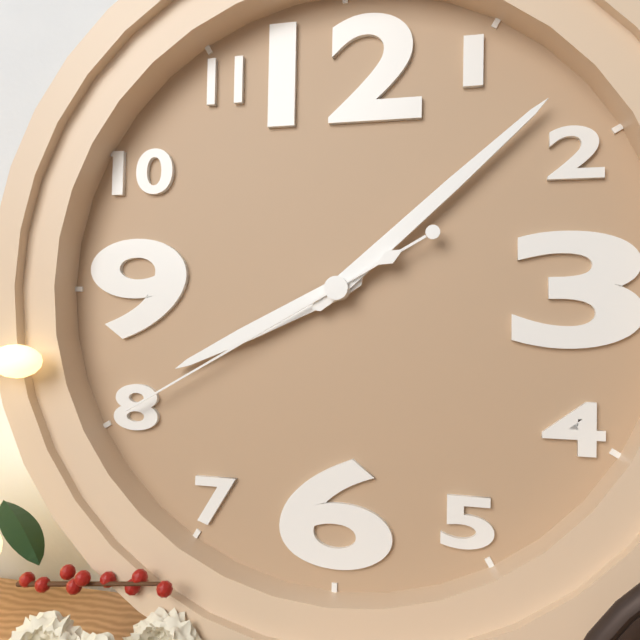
8:08:40
